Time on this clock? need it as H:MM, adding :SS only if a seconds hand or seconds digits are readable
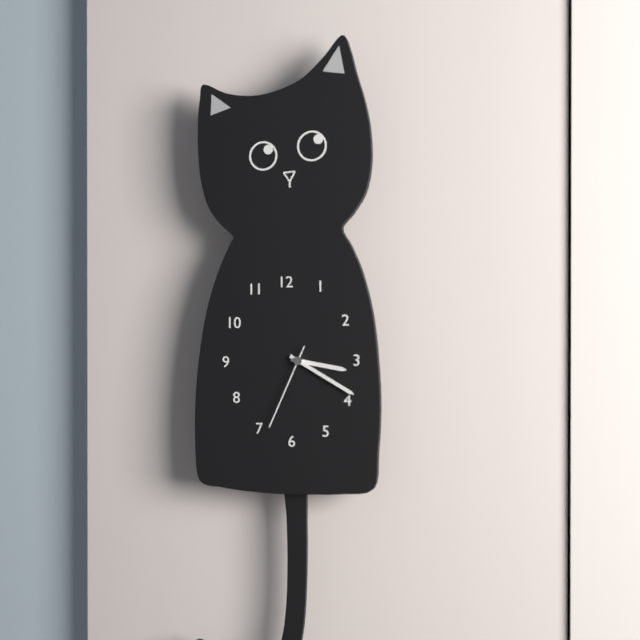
3:20:34
